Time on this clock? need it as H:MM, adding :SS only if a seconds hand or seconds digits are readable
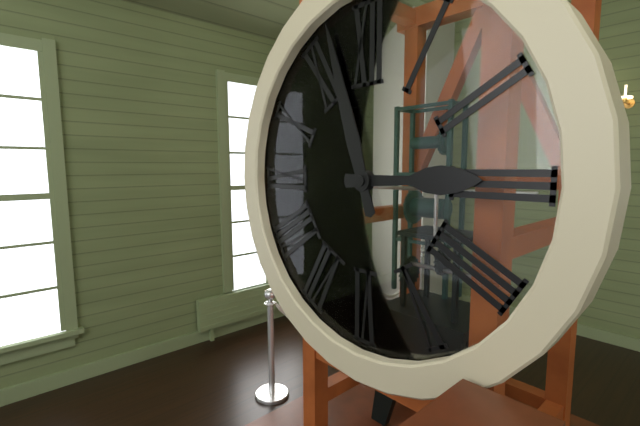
2:57
